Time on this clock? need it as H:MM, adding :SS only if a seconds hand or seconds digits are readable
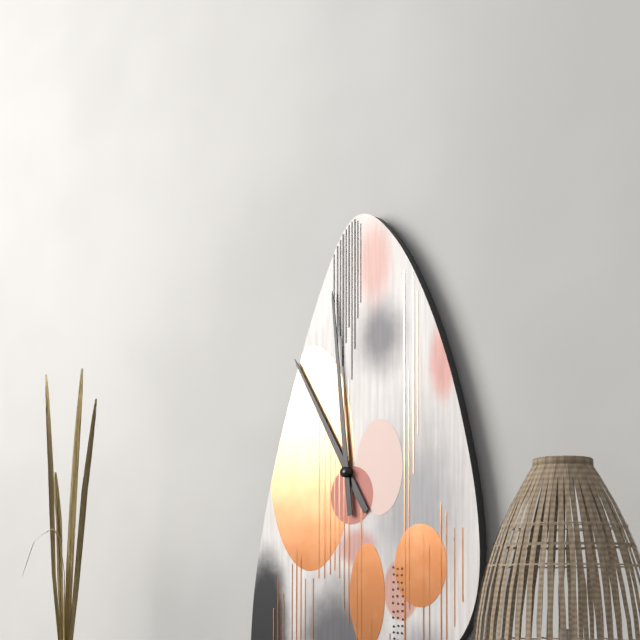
10:59
